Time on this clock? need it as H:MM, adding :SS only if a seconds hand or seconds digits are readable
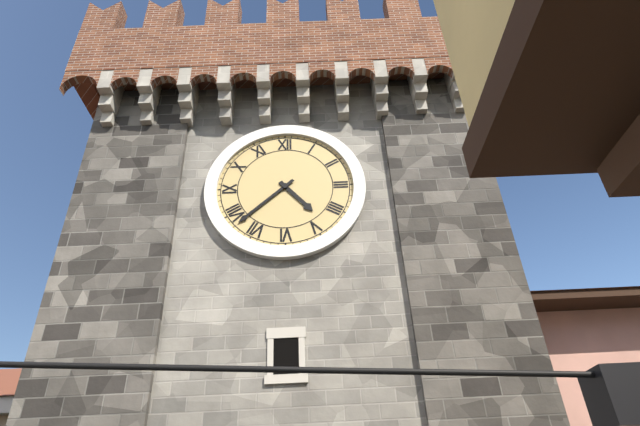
4:38
